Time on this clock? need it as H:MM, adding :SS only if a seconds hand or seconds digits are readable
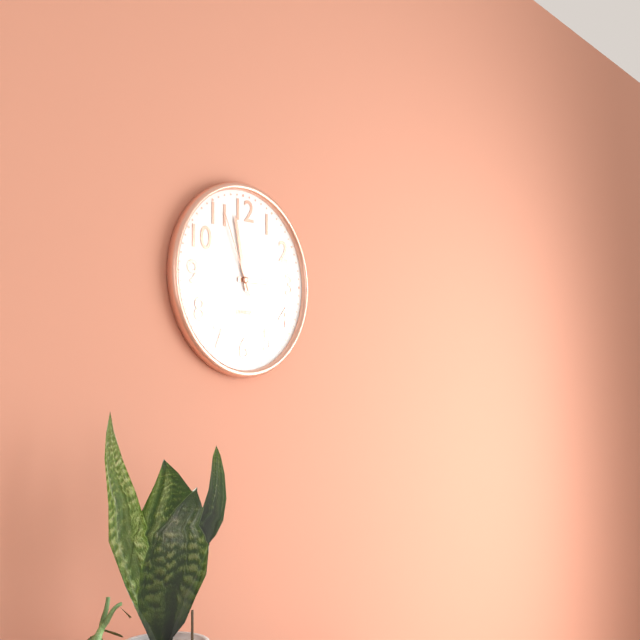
2:58:56
